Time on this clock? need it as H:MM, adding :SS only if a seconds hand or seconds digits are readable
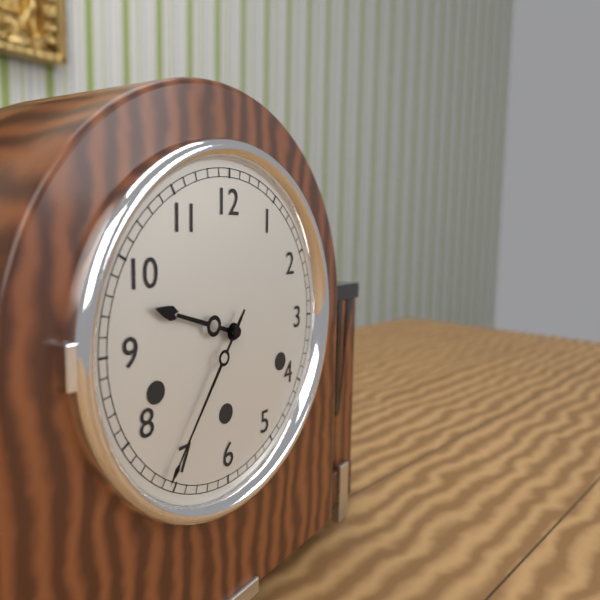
9:36
